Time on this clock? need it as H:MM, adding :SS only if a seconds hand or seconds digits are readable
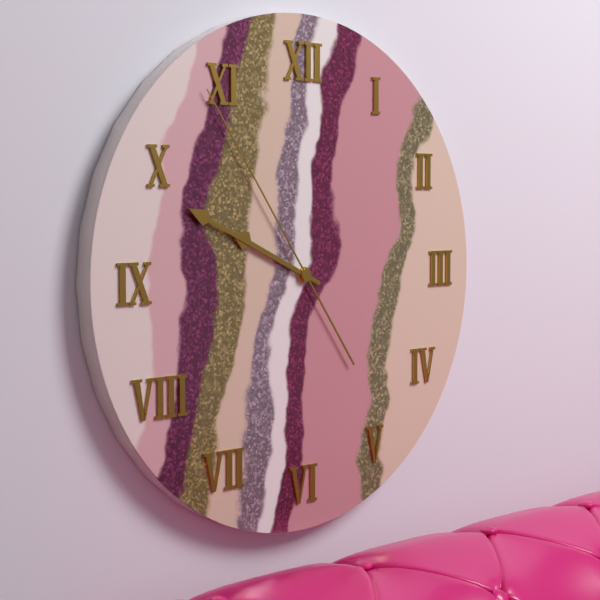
9:49:54
